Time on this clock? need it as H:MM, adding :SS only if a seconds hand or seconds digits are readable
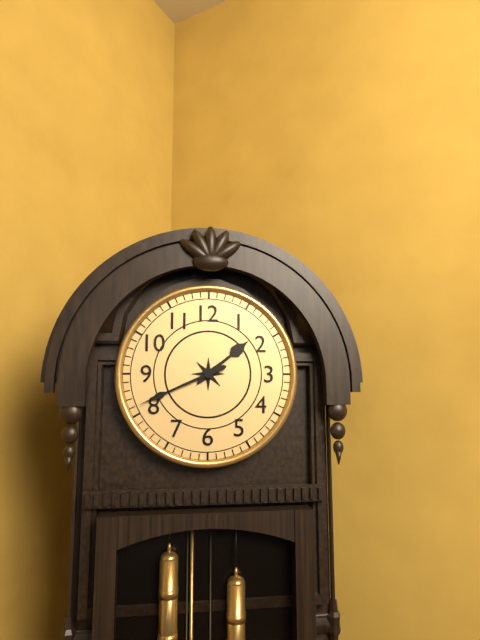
1:41
